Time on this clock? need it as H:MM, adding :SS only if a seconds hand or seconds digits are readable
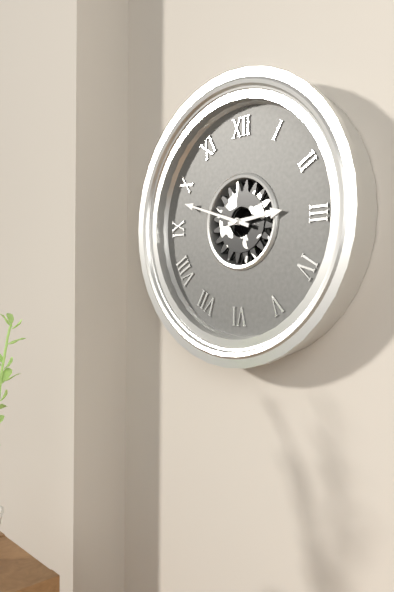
2:48
